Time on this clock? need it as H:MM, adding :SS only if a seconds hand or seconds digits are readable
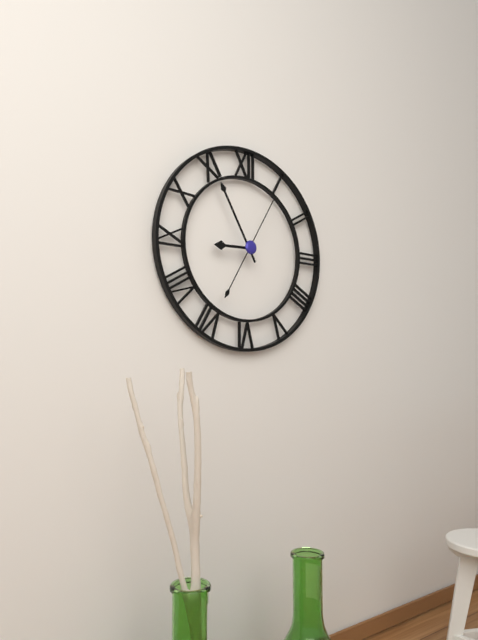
8:55:05
